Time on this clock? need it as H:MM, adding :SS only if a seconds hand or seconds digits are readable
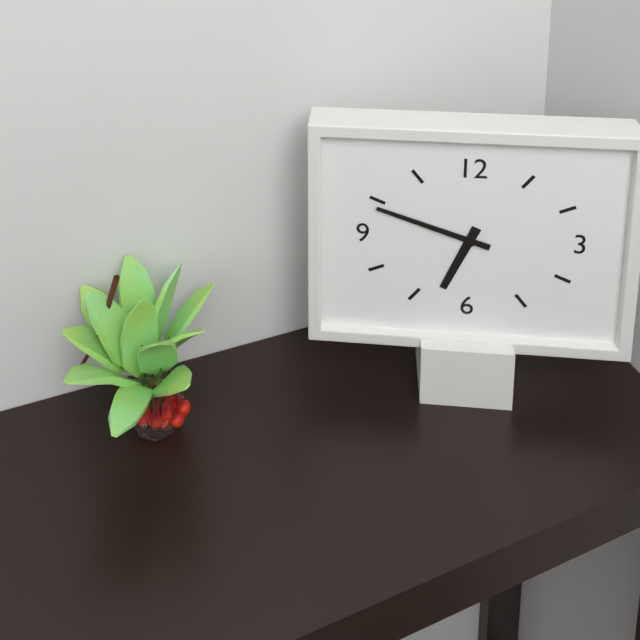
6:48
